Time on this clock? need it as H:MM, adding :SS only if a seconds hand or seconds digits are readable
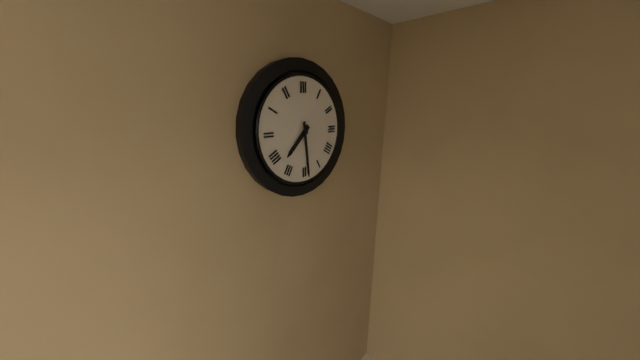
7:29
